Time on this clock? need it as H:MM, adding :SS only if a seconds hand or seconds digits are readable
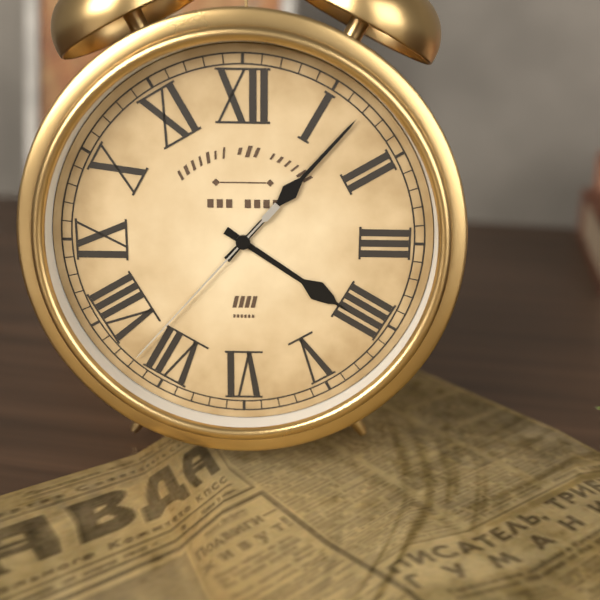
4:07:37
